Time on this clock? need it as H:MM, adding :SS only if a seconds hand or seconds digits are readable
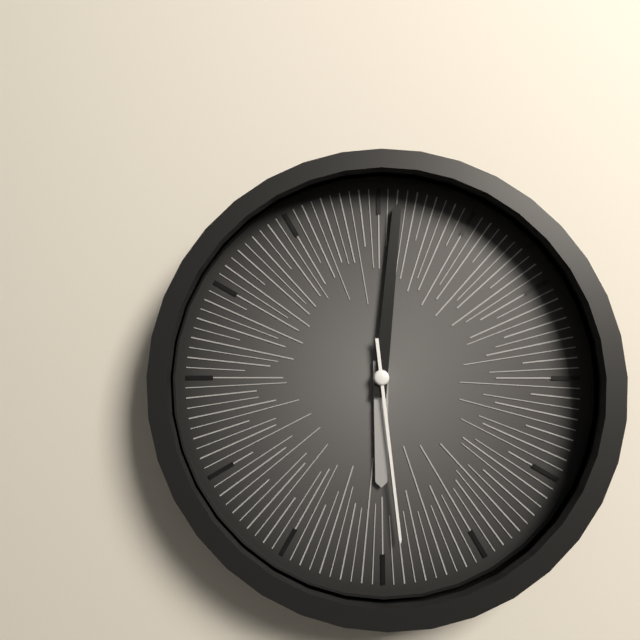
6:01:29
